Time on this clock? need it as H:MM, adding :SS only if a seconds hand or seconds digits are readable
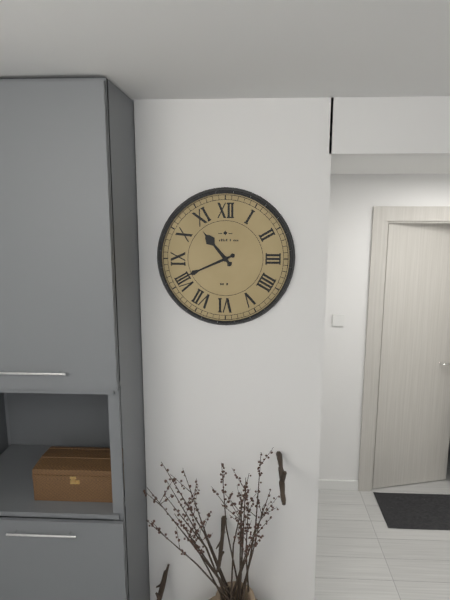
10:41
